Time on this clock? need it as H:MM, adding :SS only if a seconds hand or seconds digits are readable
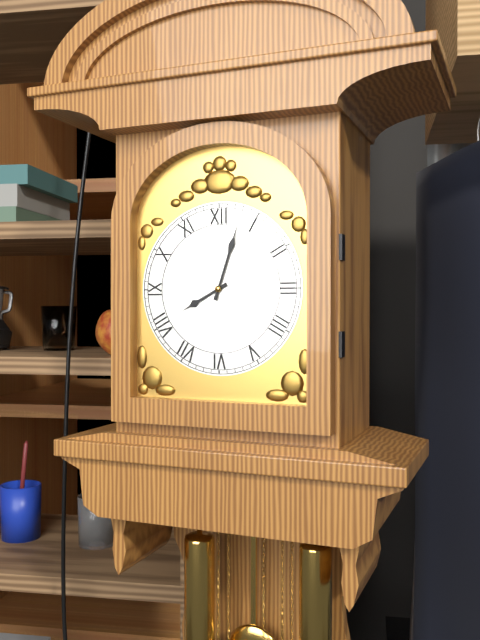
8:03
